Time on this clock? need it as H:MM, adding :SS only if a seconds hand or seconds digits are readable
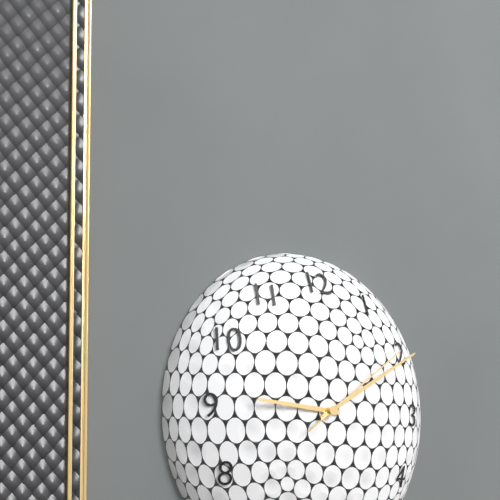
9:10:09
